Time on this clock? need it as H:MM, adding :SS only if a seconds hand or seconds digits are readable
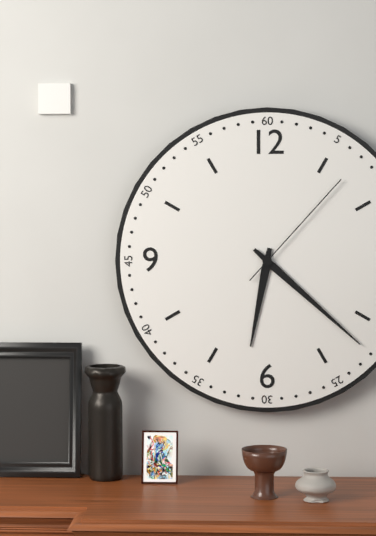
6:22:07
